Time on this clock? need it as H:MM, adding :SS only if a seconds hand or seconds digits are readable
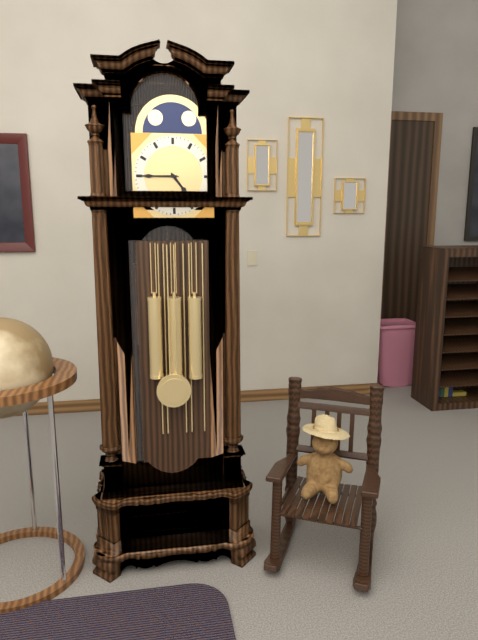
4:45
